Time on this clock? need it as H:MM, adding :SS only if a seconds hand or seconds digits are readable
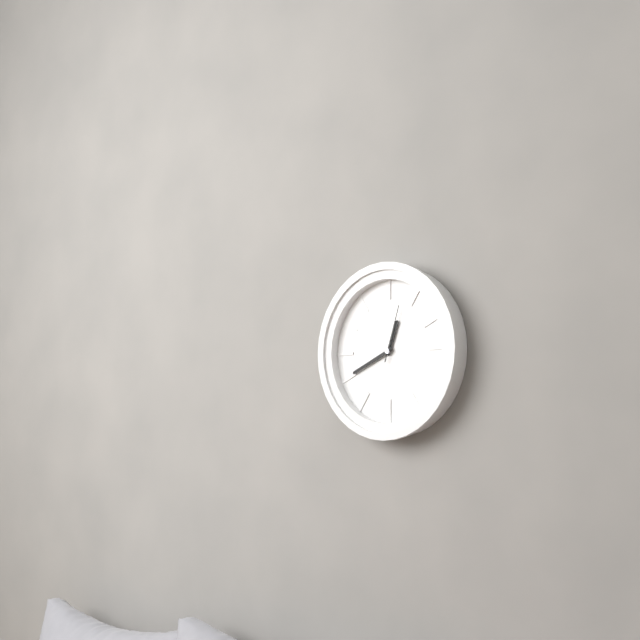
12:41:03
